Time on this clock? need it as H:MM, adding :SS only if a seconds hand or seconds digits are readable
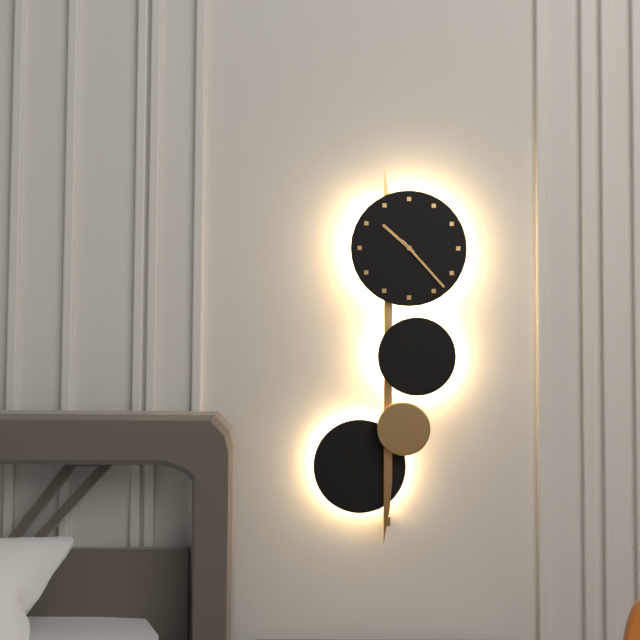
10:23
